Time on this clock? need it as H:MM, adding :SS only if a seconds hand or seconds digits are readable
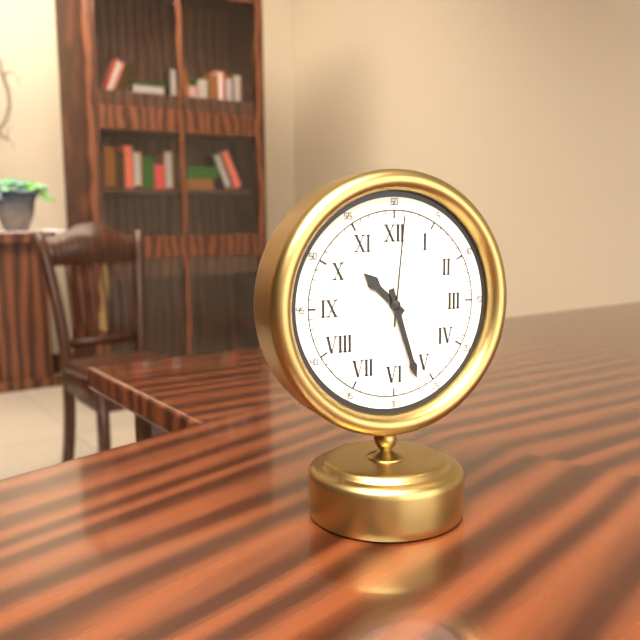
10:27:01
